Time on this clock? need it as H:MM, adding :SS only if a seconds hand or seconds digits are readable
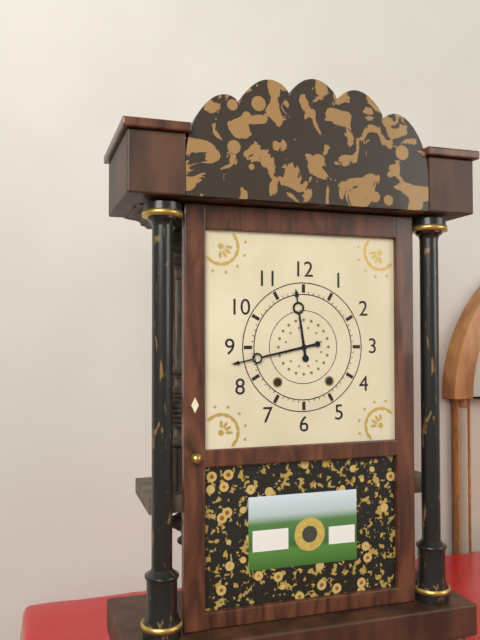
11:43
